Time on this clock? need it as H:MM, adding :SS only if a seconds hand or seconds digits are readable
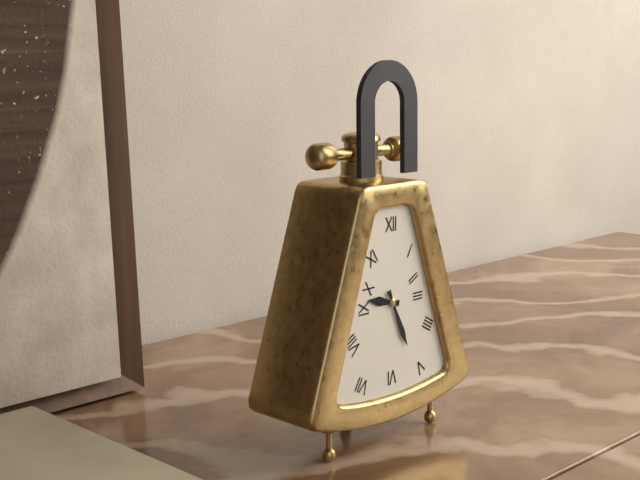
9:26
